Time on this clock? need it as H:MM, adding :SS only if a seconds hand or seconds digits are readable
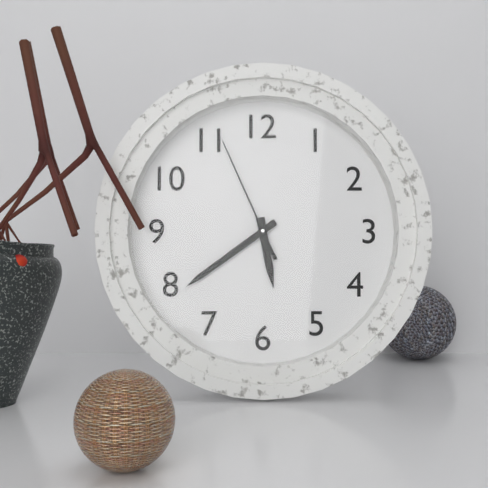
5:39:56
